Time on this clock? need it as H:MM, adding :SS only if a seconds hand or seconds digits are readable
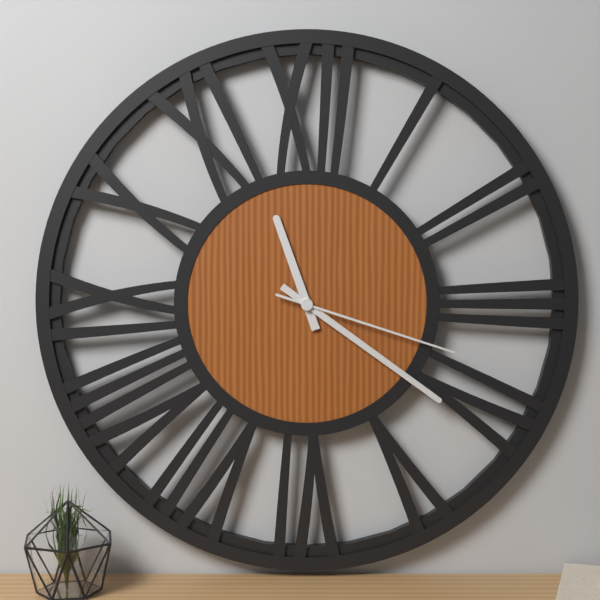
11:21:18
